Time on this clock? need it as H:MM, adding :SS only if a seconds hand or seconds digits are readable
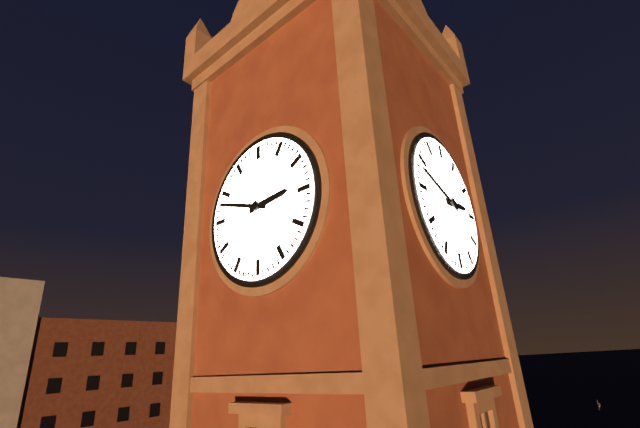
2:48
